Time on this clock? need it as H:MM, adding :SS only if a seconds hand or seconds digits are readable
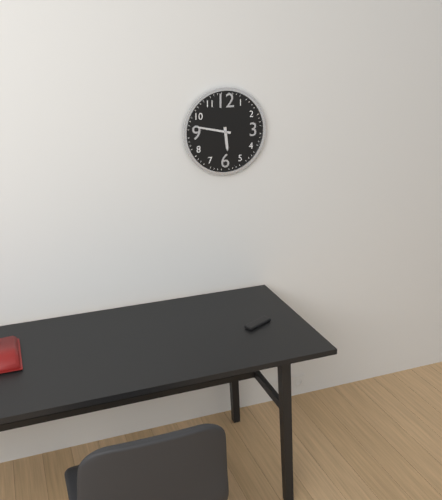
5:47
